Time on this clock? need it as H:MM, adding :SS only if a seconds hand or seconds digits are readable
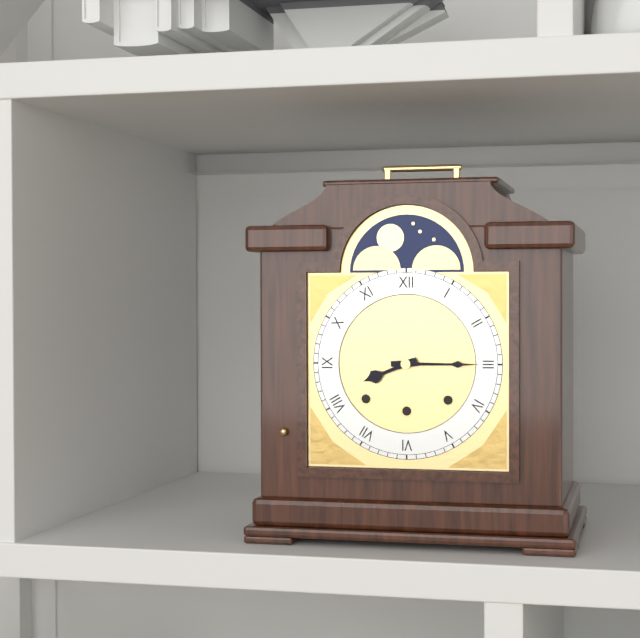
8:15
